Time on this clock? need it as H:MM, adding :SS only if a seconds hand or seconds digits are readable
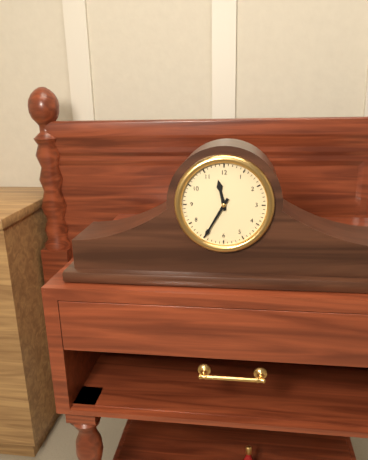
11:35
